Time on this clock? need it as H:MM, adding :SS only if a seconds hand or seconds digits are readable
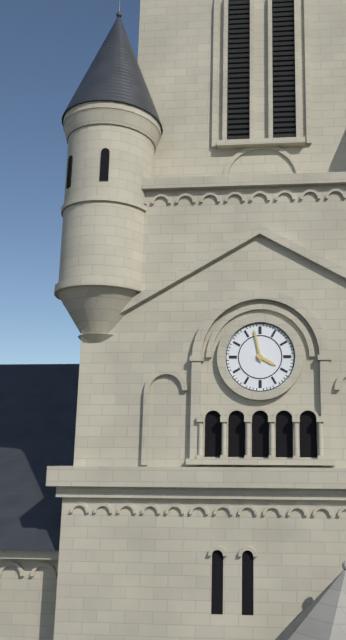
3:58
